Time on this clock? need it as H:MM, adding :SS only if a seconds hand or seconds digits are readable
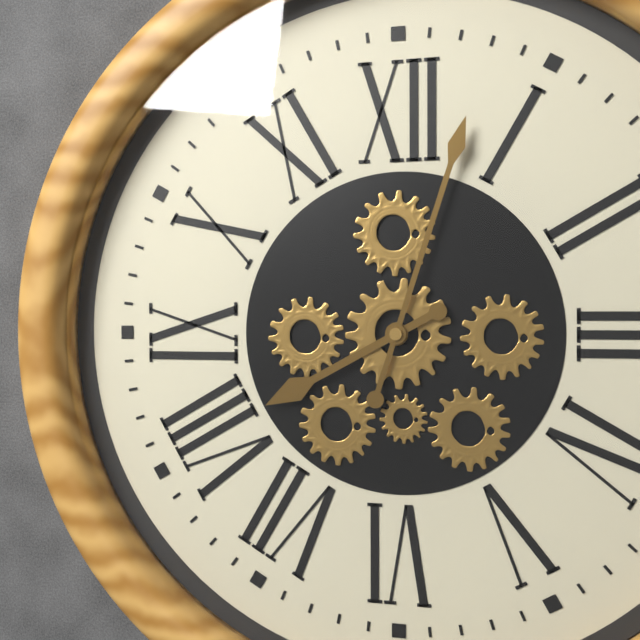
8:03
